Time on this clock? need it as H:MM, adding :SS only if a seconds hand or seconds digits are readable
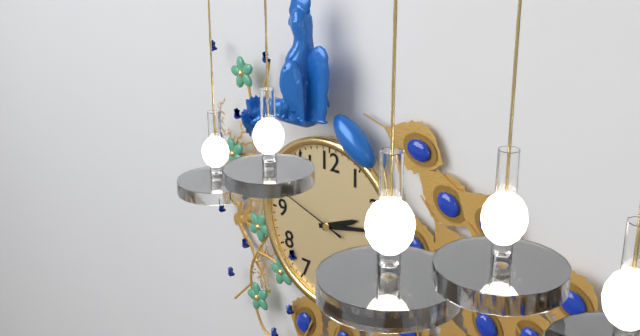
2:13:48
